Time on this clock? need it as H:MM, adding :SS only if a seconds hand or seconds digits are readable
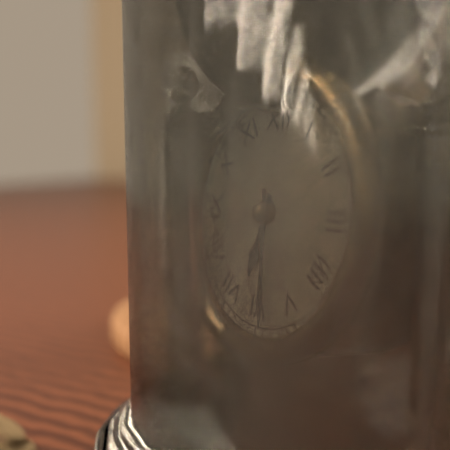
6:29
